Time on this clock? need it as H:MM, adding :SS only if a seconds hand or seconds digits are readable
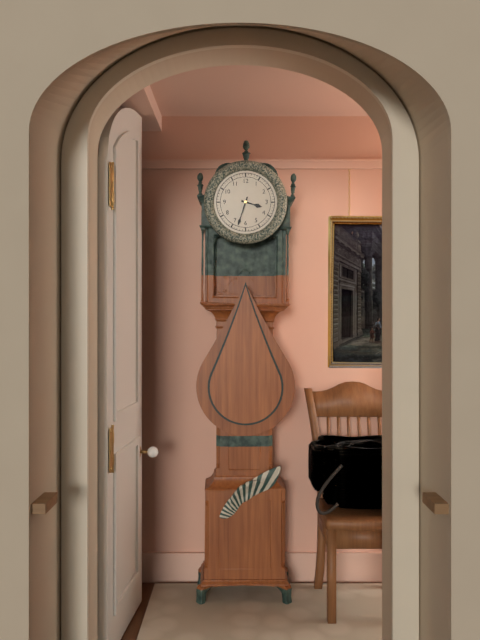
3:33
